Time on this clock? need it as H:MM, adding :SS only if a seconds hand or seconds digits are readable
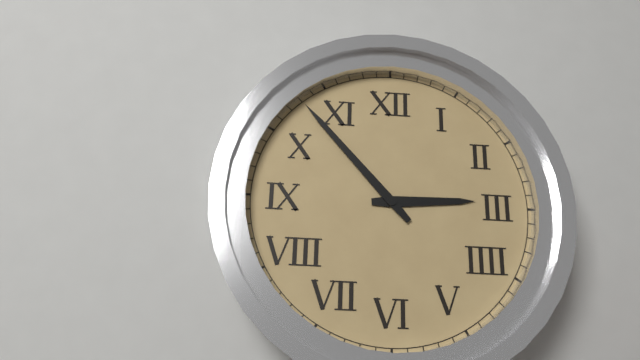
2:53
